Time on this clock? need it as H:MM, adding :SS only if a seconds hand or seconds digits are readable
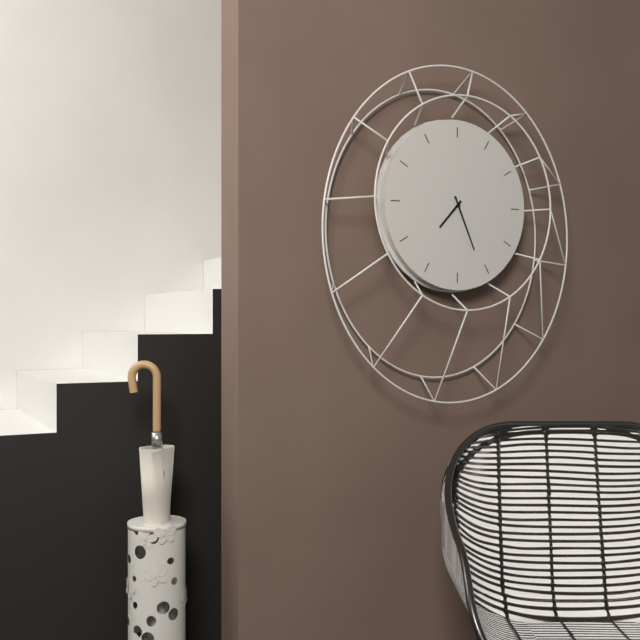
7:26
